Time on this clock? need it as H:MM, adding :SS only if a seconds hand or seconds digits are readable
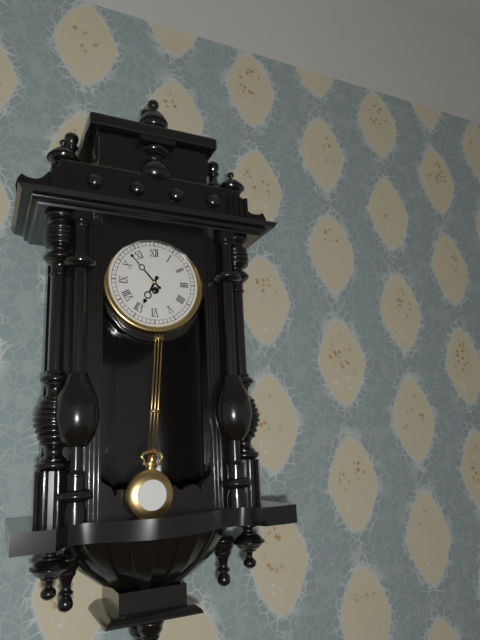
6:53
